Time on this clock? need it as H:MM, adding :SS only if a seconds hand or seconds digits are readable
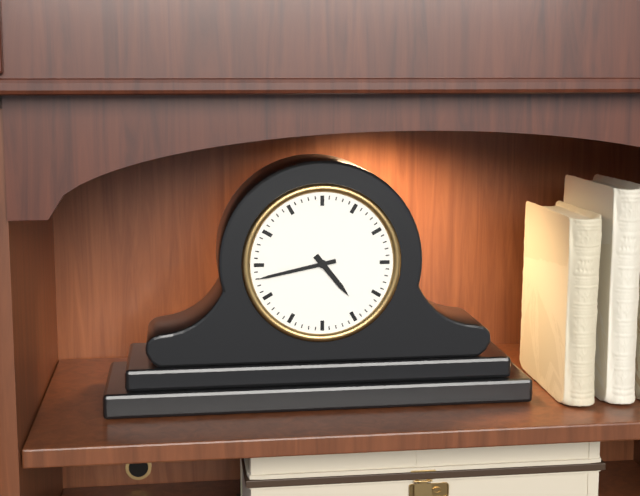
4:43
